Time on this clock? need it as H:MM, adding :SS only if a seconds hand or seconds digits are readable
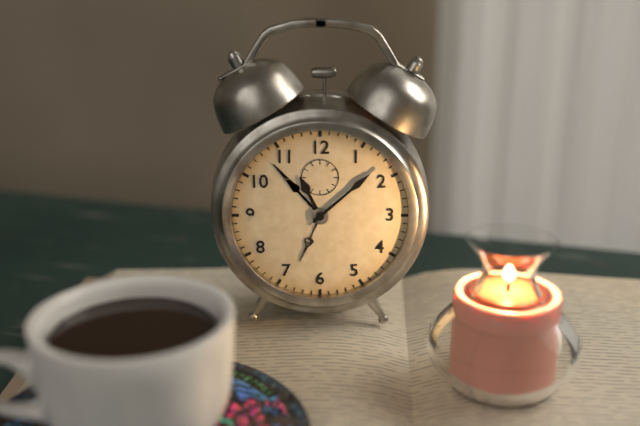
11:08
